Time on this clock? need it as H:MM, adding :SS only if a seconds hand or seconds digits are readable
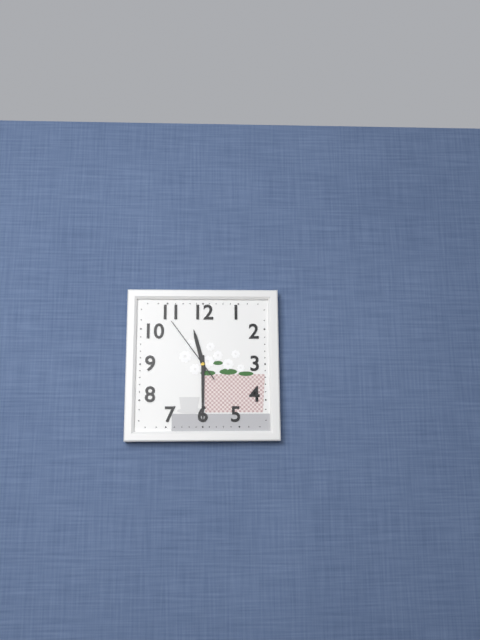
11:30:54
